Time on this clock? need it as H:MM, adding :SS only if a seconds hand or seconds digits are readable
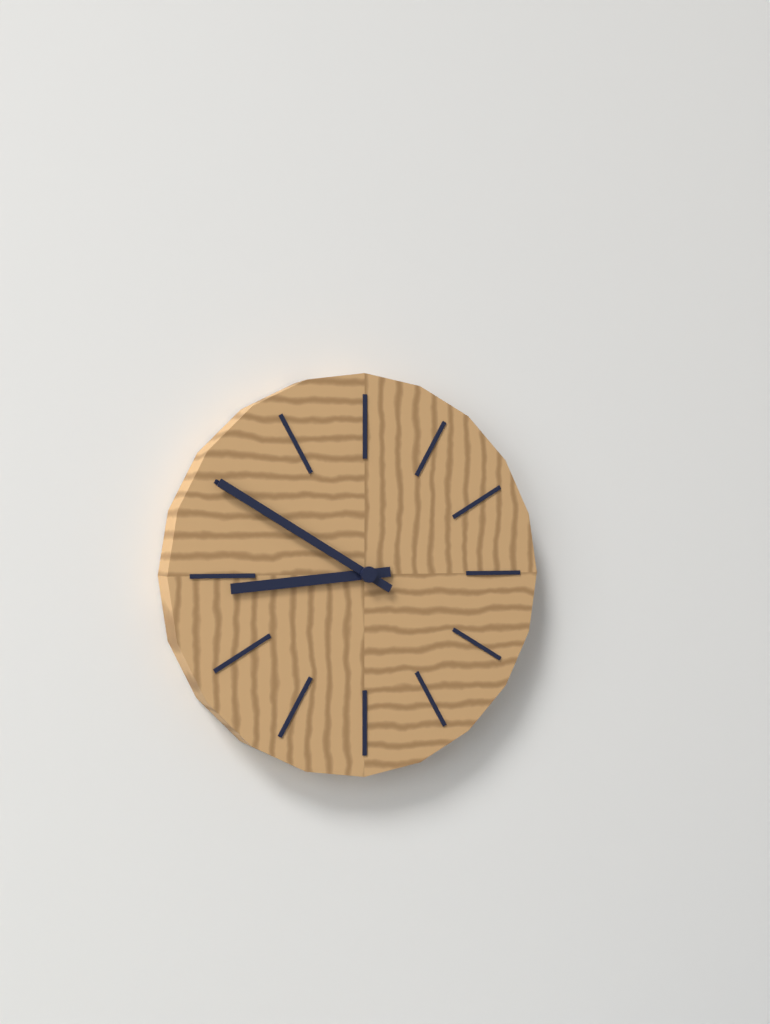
8:50
